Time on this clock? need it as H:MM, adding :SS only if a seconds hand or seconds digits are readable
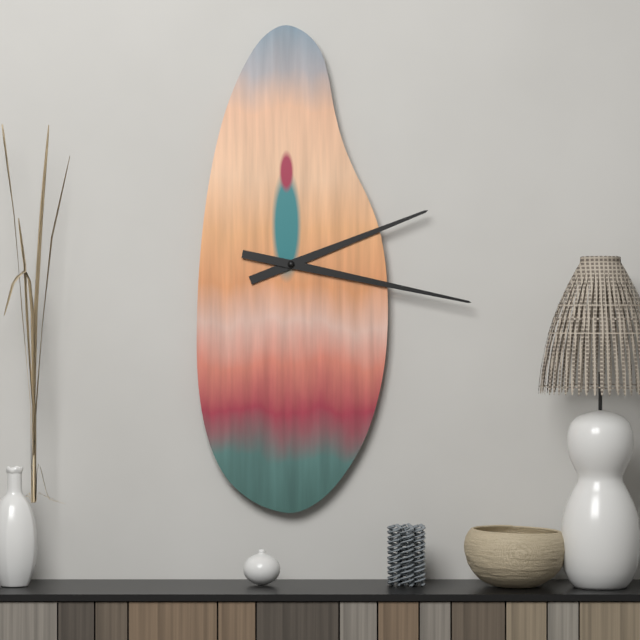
2:17
